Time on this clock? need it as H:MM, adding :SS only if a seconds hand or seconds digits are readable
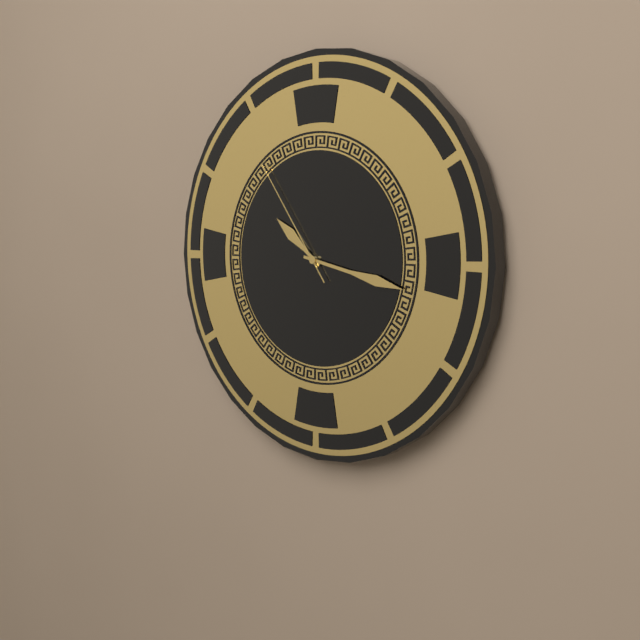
10:17:54
